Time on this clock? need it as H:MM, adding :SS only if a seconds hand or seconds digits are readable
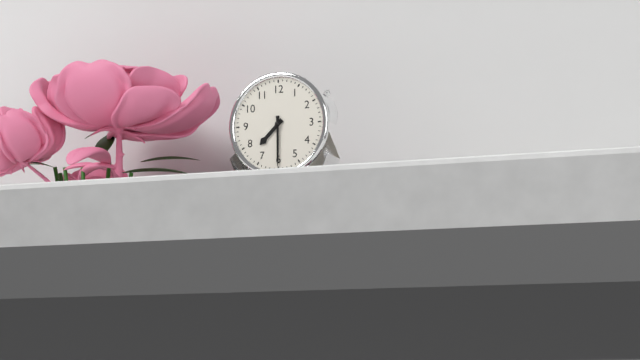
7:30
